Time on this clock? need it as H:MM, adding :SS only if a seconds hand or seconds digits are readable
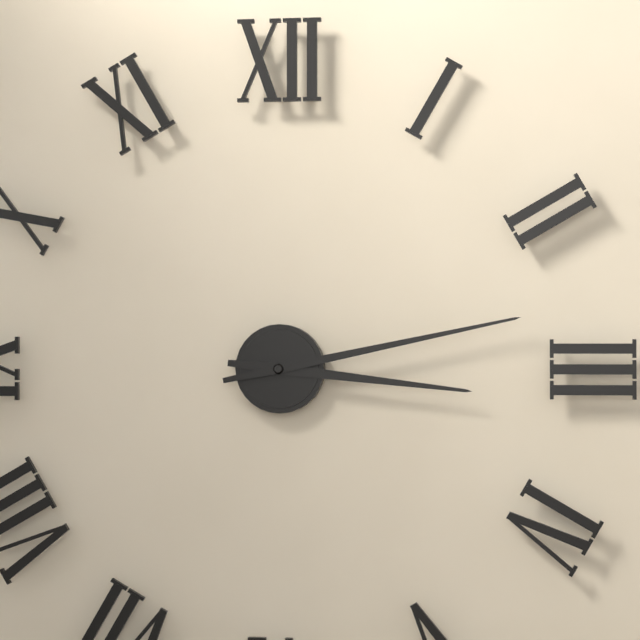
3:13
